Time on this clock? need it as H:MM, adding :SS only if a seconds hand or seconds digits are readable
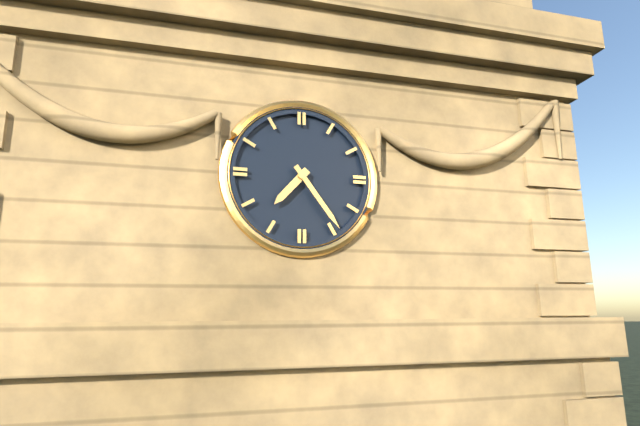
7:24
